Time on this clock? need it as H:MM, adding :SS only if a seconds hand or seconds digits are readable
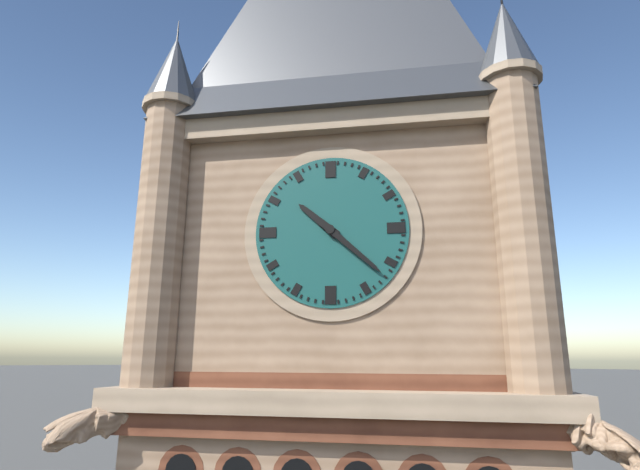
10:22
